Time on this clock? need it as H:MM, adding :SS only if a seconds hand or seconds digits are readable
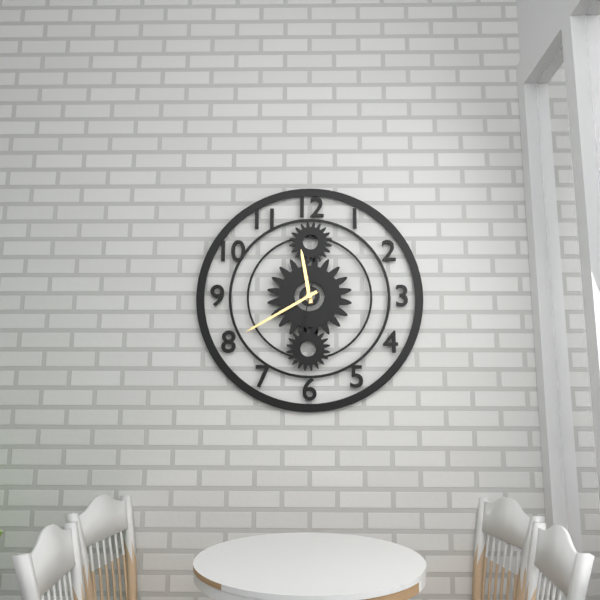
11:40:32
